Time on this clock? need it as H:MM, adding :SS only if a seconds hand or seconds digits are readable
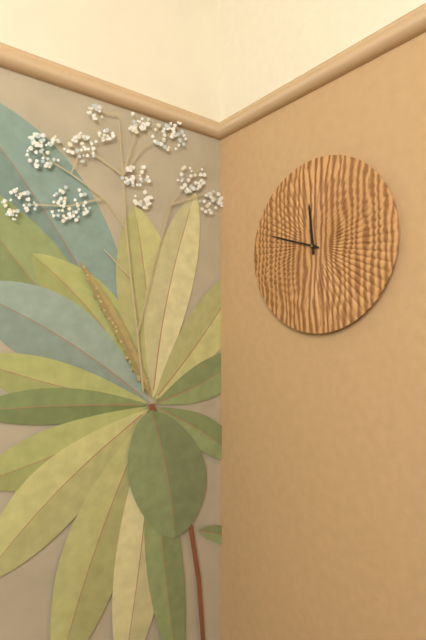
11:48
